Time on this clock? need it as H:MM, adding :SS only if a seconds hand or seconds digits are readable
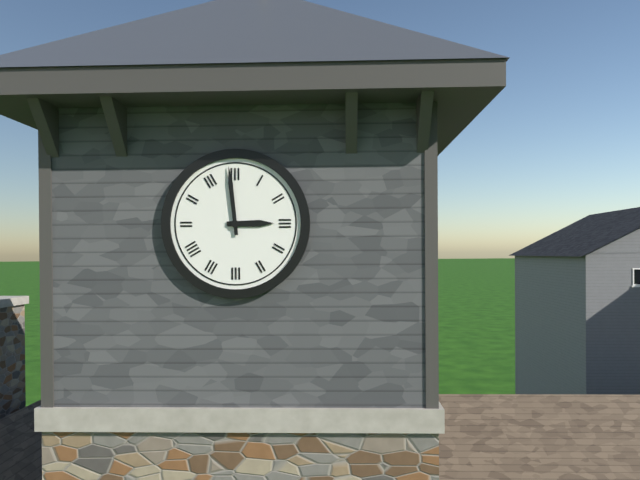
2:59
